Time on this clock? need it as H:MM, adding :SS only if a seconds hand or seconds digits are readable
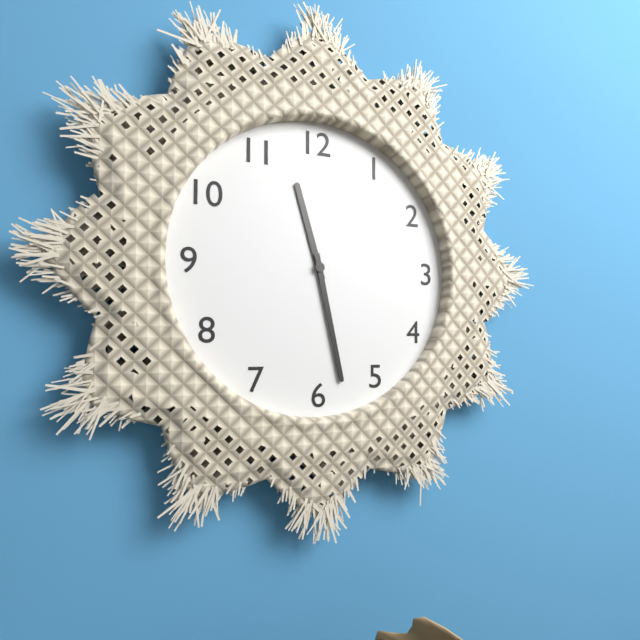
11:28
